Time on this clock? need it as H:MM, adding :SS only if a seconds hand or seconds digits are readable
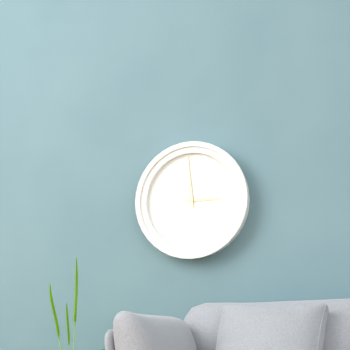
2:59
